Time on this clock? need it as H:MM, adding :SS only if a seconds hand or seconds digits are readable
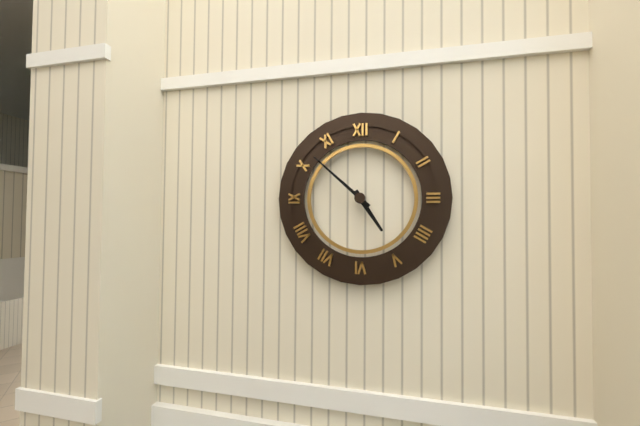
4:52
